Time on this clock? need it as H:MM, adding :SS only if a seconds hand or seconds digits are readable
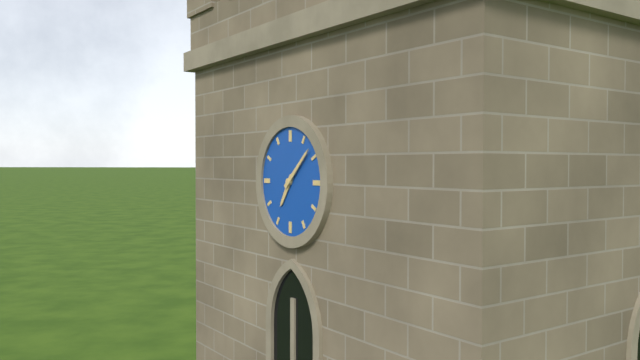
7:08
